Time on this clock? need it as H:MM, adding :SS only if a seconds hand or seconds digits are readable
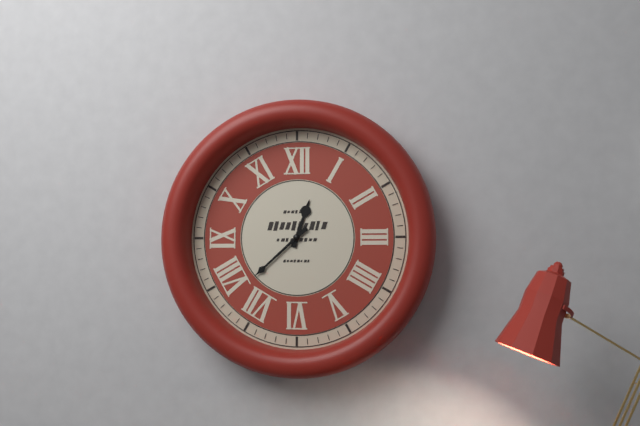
12:38
